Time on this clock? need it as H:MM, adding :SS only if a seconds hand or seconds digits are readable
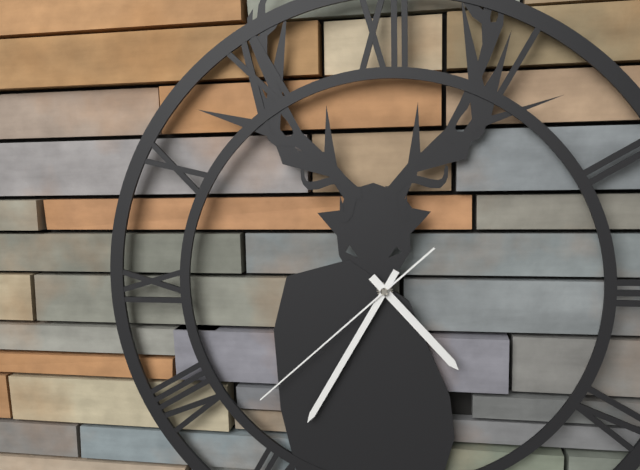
4:35:38
